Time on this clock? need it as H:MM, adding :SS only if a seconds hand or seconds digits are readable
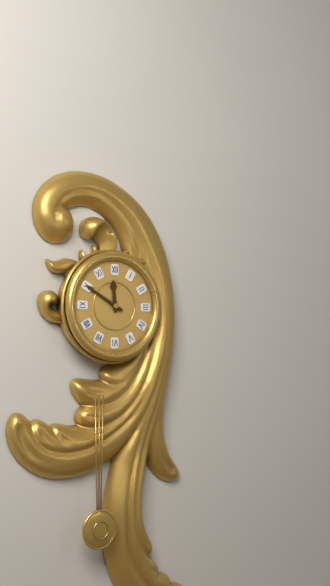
11:50
